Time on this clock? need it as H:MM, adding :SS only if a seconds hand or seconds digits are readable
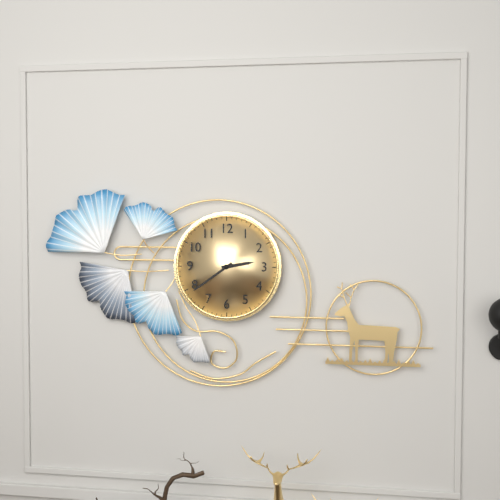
2:39
